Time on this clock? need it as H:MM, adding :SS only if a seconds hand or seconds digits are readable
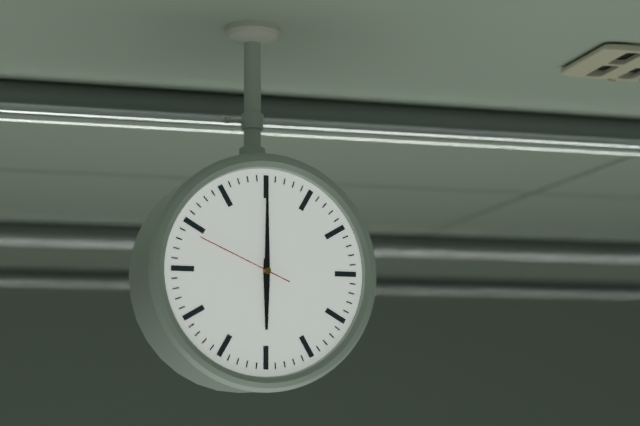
6:00:49
